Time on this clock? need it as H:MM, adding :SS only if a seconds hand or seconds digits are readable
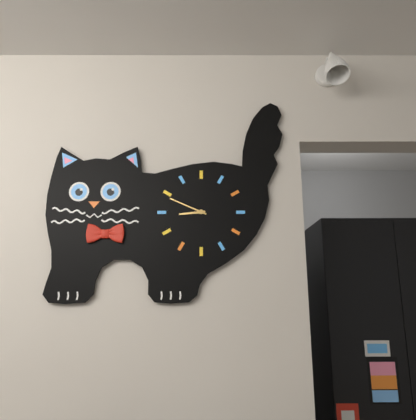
8:49
